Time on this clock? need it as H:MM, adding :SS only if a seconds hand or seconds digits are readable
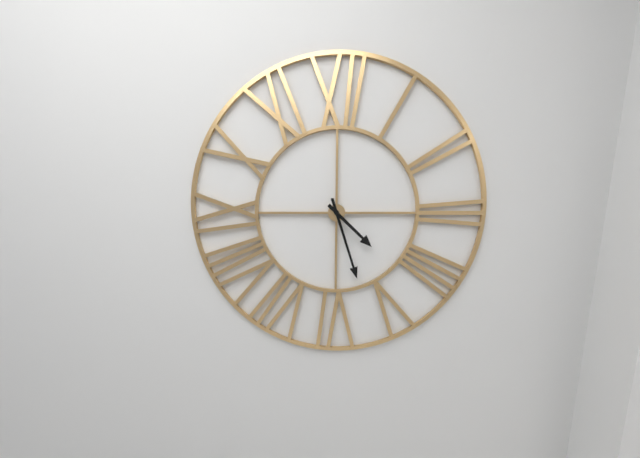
4:27
